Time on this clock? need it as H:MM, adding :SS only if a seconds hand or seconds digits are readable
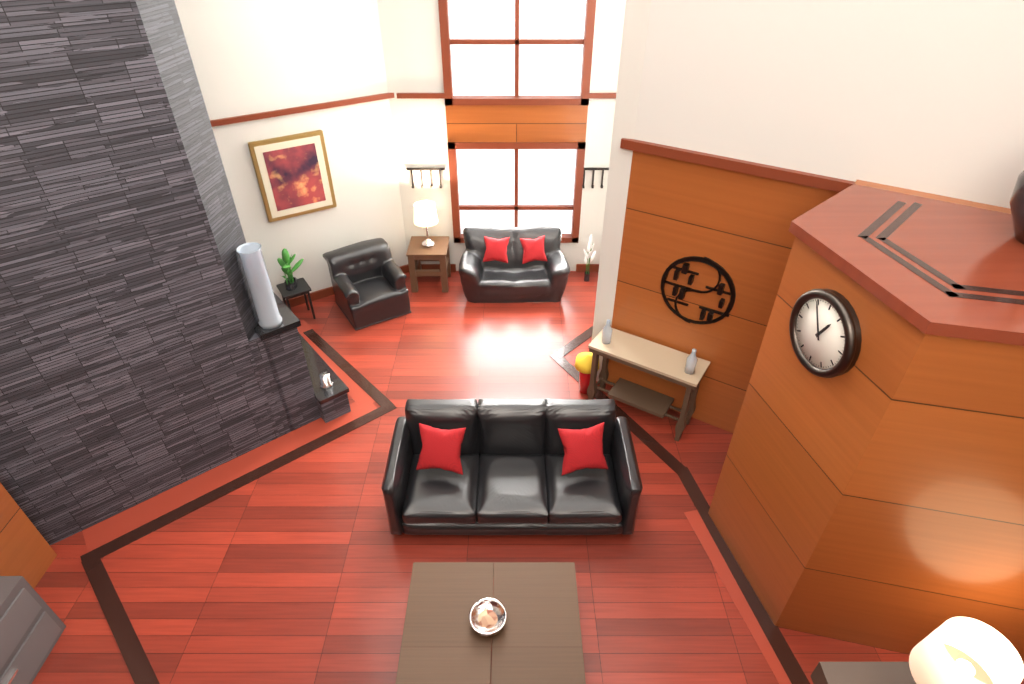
12:55
